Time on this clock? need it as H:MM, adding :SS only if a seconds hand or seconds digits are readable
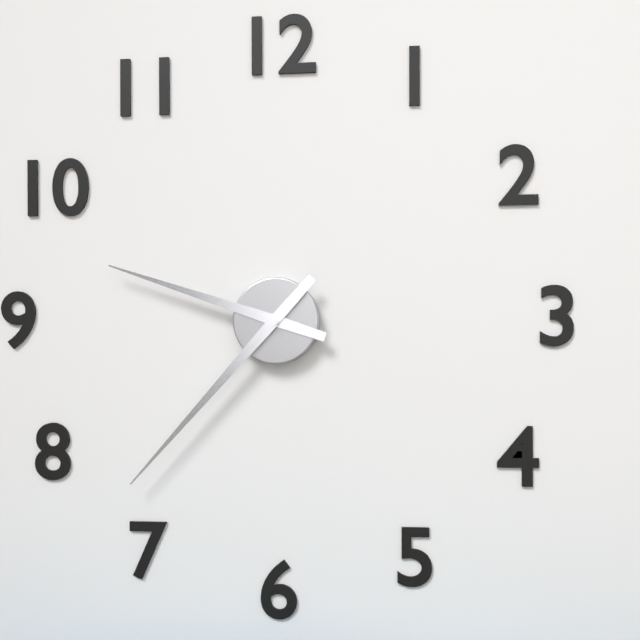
9:37
